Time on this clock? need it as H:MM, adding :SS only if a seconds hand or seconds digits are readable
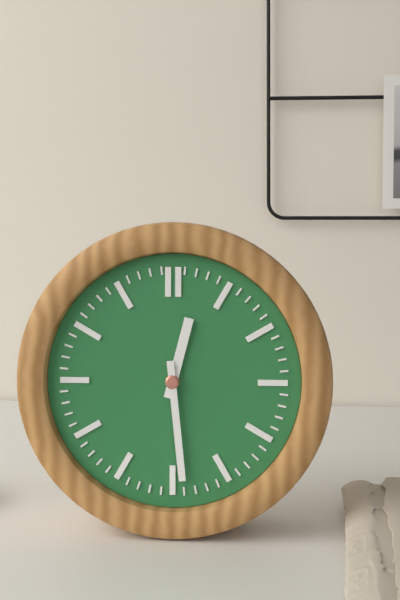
12:29
